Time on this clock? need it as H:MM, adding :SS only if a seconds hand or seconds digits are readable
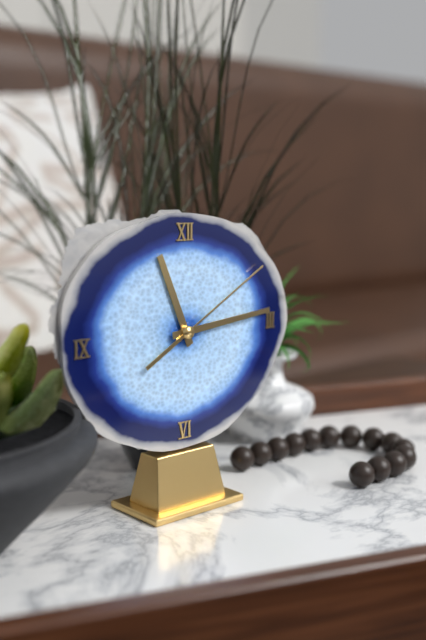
11:14:10
